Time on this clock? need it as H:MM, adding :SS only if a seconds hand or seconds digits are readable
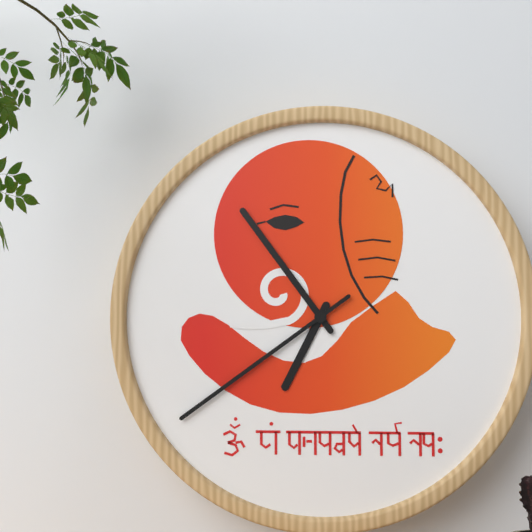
6:54:39
